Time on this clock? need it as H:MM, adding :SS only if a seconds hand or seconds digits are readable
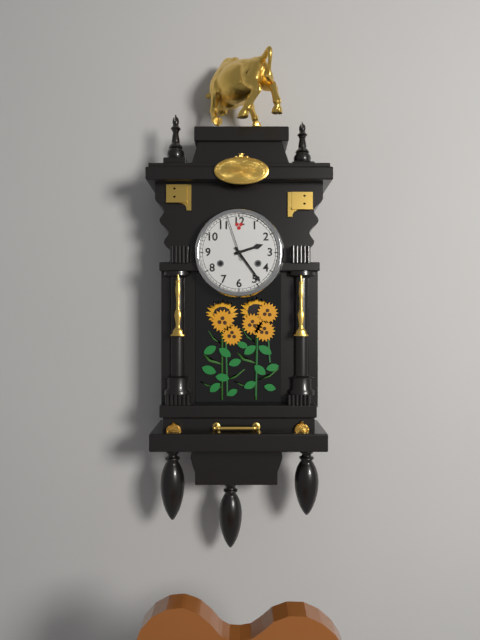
2:24
